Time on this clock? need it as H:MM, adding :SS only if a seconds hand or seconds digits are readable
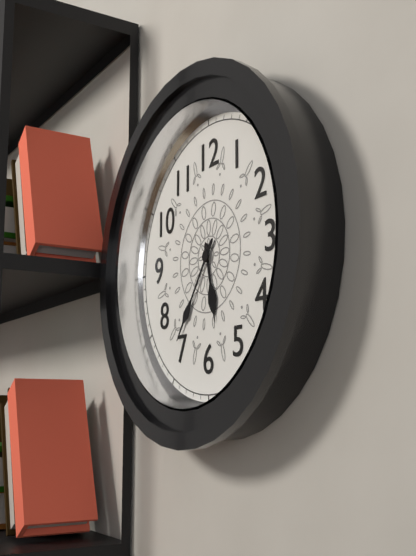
5:36
